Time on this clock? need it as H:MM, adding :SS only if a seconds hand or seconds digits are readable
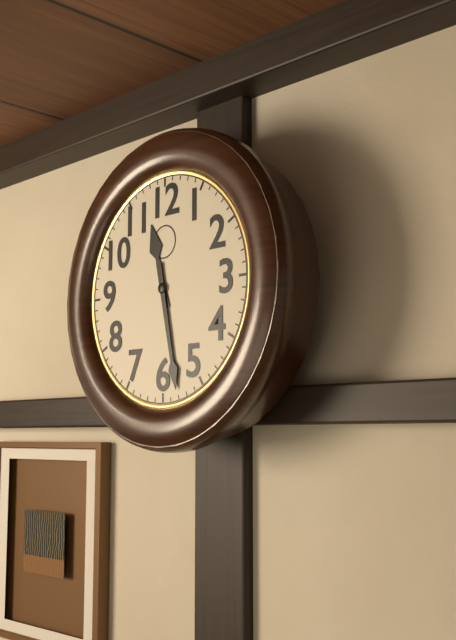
11:28
